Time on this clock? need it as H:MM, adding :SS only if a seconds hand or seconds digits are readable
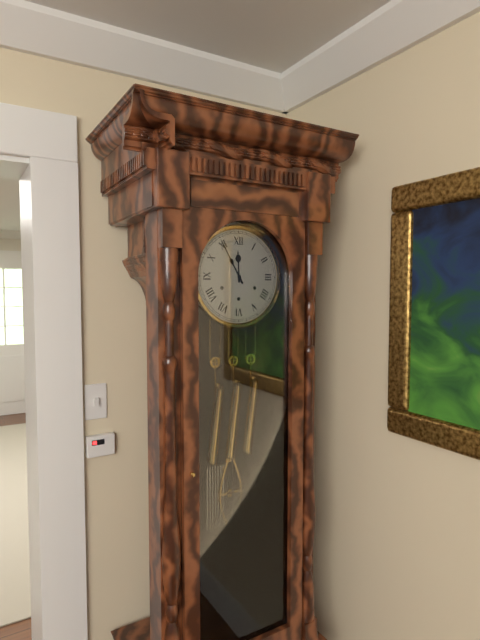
11:55
